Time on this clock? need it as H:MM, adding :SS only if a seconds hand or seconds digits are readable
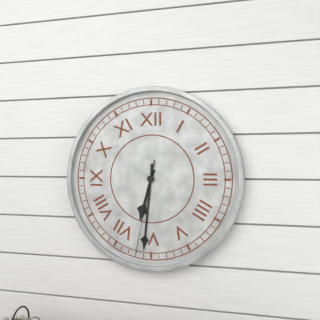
6:31:32
